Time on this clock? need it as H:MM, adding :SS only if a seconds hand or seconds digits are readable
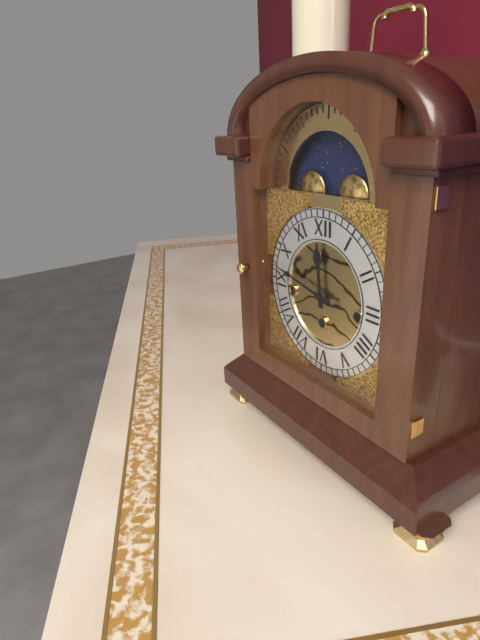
11:47
